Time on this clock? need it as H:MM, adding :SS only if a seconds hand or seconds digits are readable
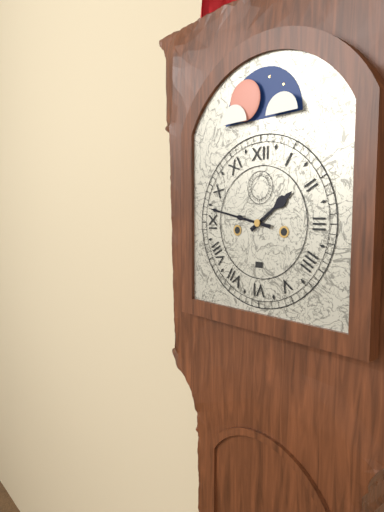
1:47
